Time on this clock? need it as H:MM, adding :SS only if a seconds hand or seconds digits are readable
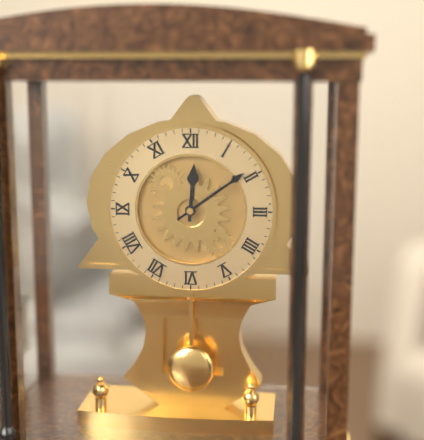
12:09
